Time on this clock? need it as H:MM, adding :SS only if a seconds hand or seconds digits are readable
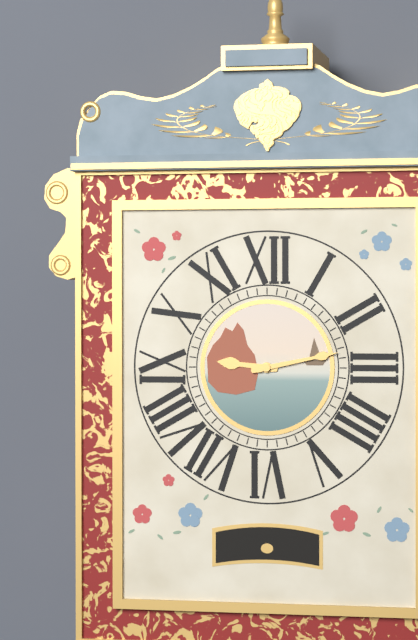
9:13
